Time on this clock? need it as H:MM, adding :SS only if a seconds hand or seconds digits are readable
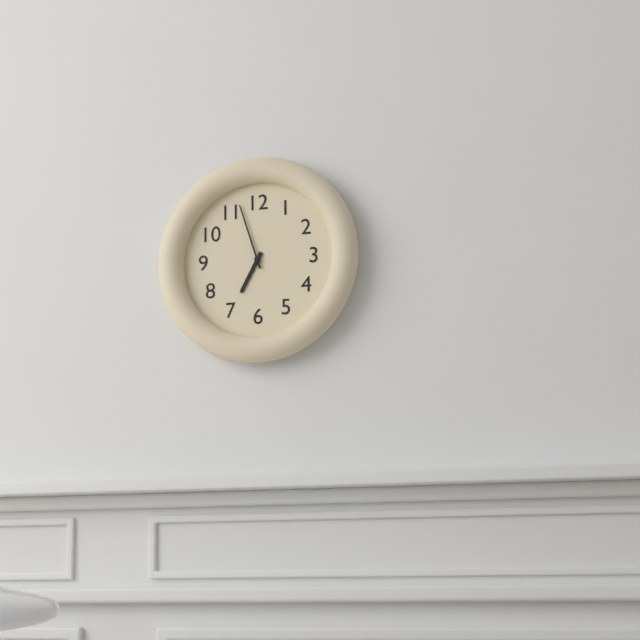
6:57
